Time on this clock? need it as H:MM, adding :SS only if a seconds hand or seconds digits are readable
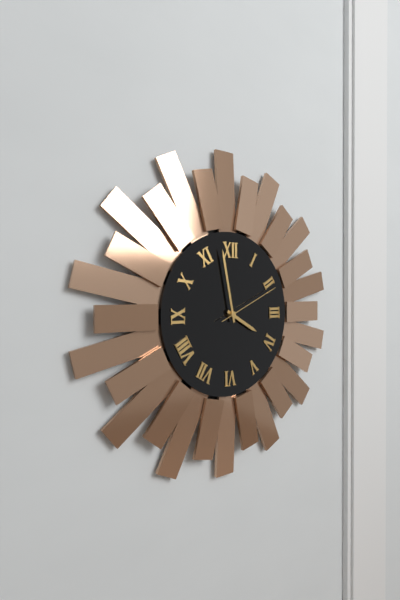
3:58:11
